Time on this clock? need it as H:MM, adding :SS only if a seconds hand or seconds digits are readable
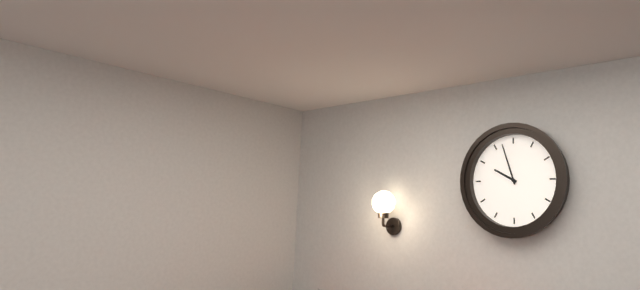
9:57
